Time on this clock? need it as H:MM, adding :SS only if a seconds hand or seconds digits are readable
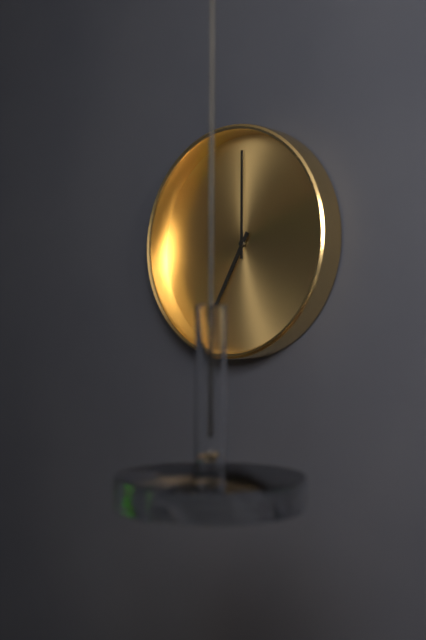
7:00
